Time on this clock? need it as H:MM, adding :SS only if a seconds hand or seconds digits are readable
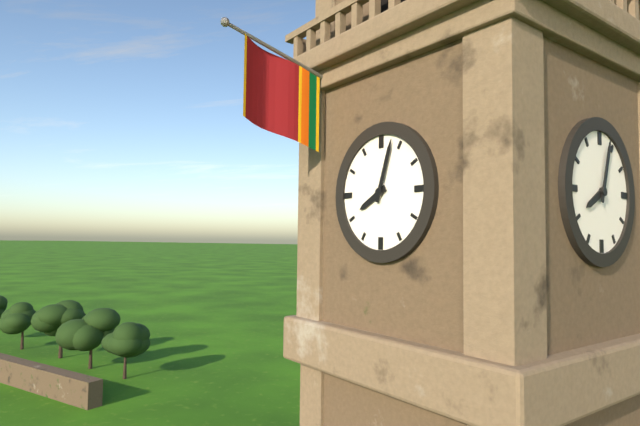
8:03
